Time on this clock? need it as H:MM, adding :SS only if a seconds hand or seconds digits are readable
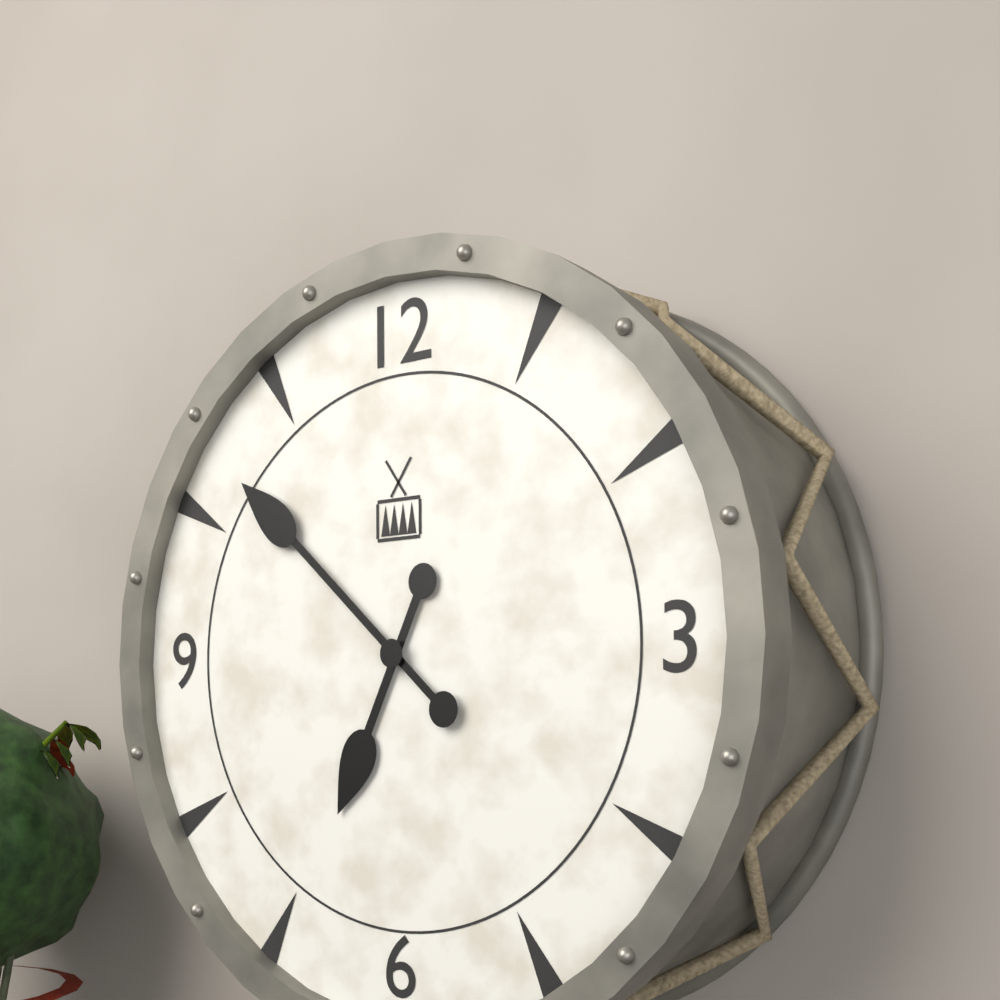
6:52
